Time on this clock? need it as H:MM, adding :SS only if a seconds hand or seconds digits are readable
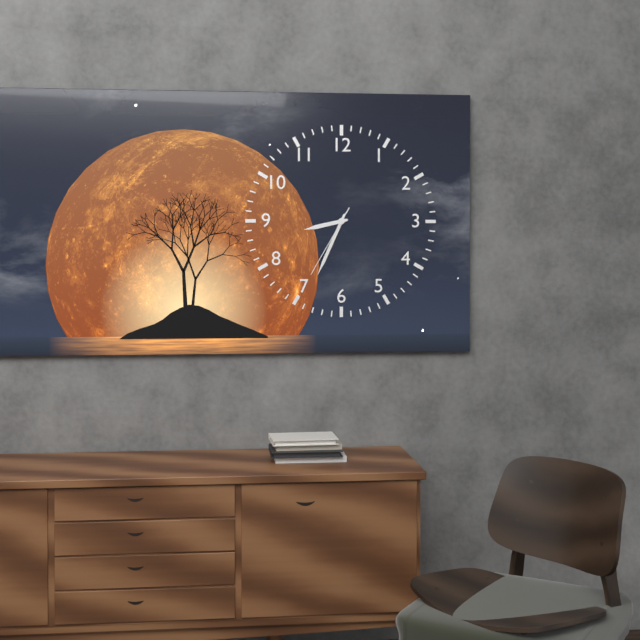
8:34:35
